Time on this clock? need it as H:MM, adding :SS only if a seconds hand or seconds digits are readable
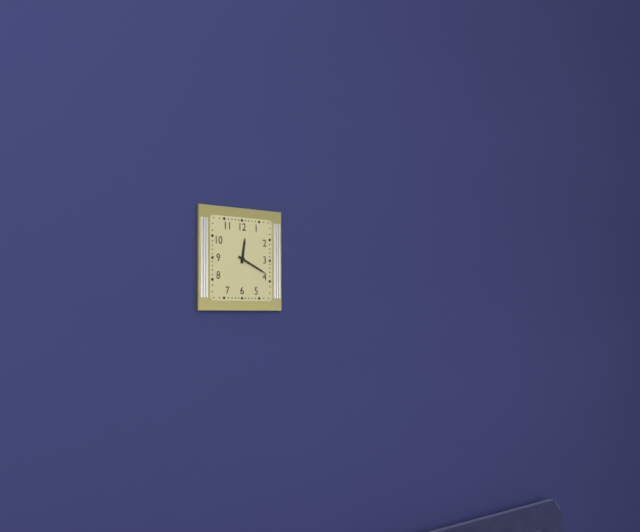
12:19
